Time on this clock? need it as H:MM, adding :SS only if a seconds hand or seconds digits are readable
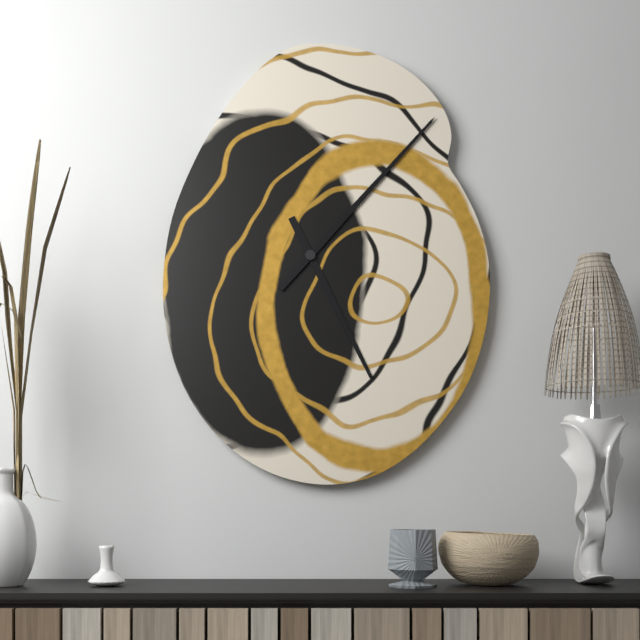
5:07
